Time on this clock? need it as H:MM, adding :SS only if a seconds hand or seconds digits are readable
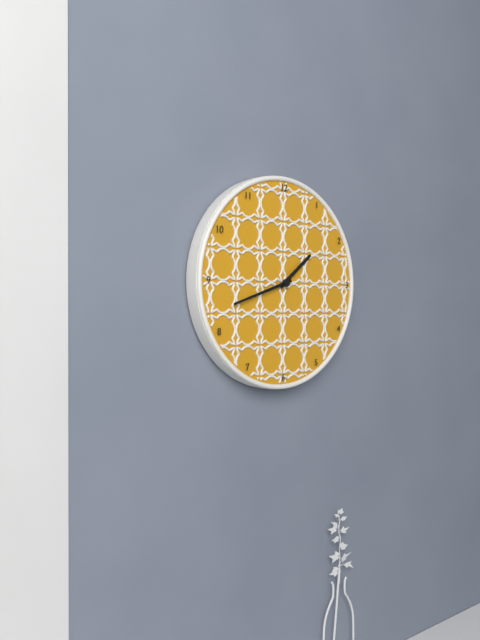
1:42
